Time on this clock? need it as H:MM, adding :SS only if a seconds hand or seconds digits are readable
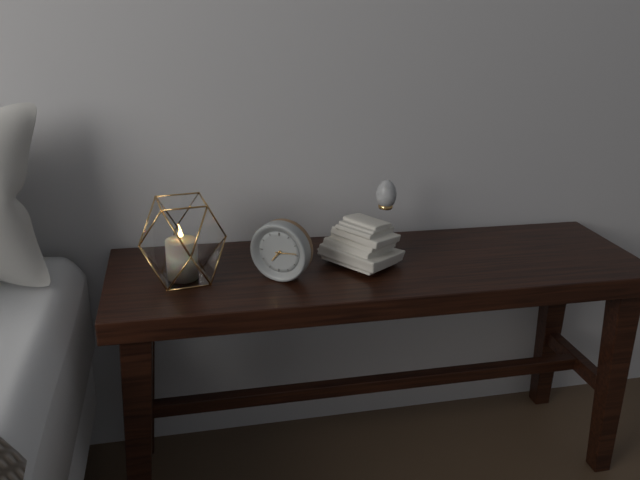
7:14
